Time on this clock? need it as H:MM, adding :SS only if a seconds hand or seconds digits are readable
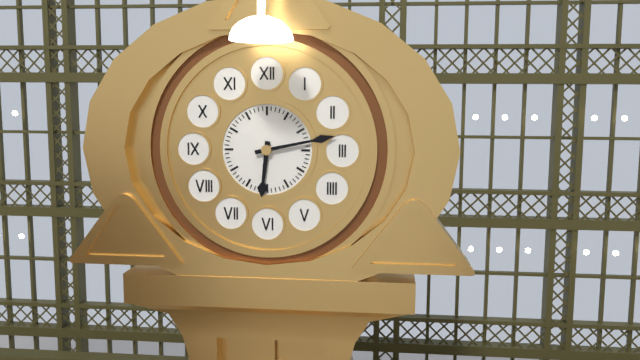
6:13
